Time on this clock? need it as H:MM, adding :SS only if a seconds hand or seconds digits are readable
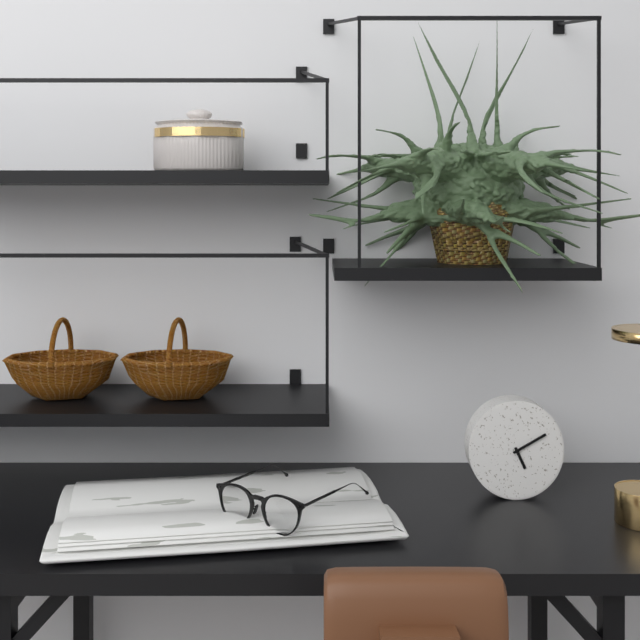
5:10
